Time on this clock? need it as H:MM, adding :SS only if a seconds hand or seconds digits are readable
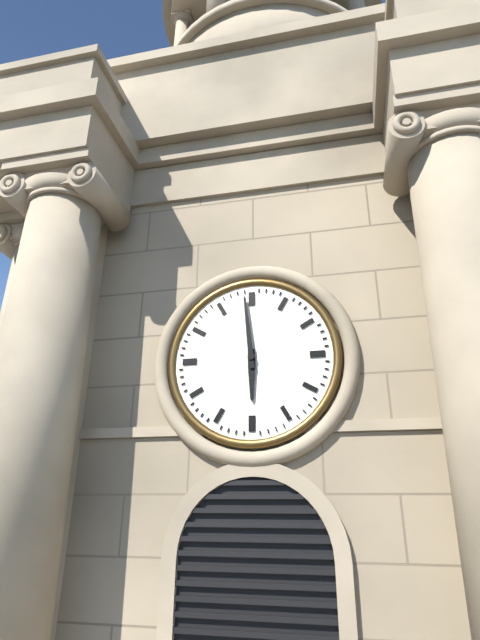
5:59
